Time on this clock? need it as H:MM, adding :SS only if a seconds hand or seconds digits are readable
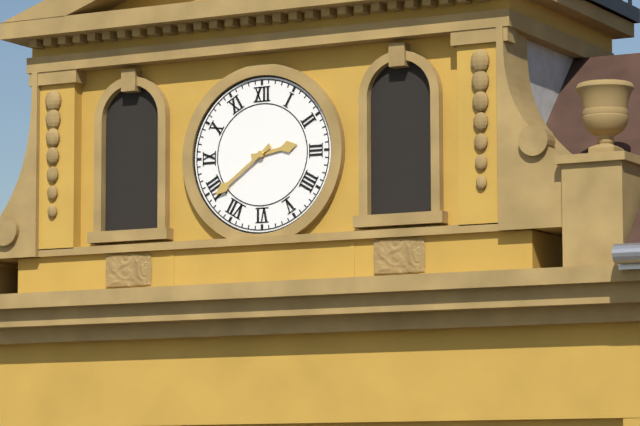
2:39
